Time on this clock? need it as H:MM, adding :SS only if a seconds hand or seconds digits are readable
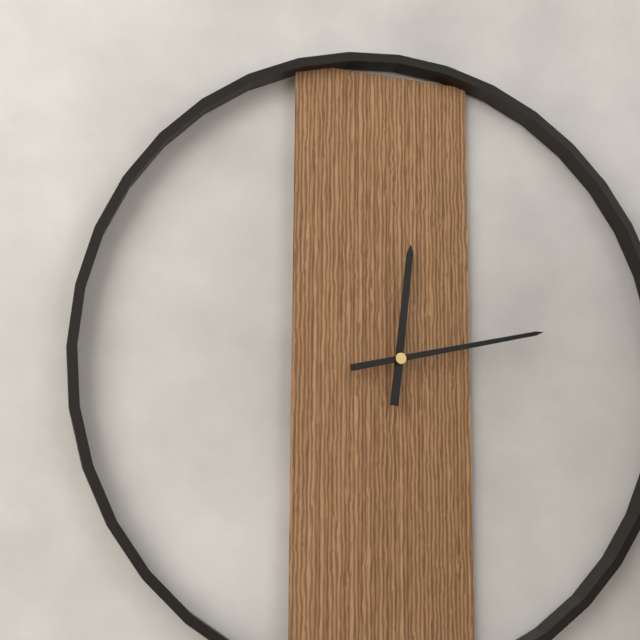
12:13
